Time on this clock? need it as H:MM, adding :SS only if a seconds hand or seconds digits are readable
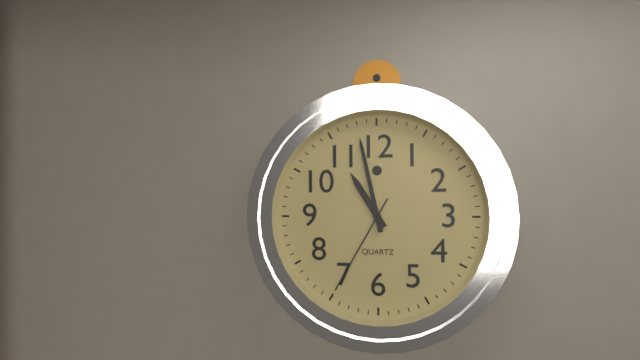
10:58:35
